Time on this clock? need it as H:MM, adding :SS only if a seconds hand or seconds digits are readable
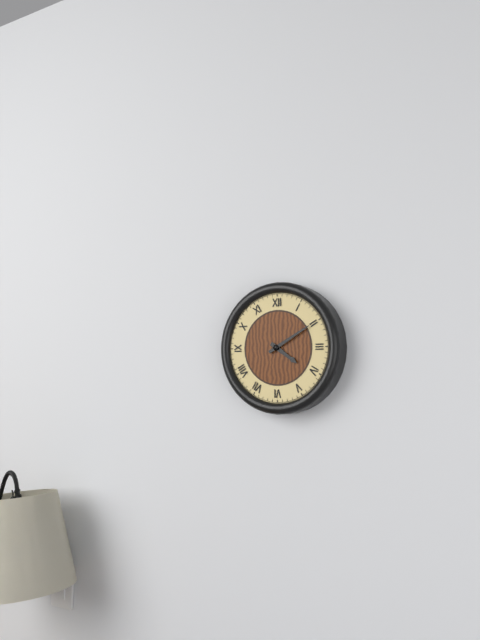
4:10
